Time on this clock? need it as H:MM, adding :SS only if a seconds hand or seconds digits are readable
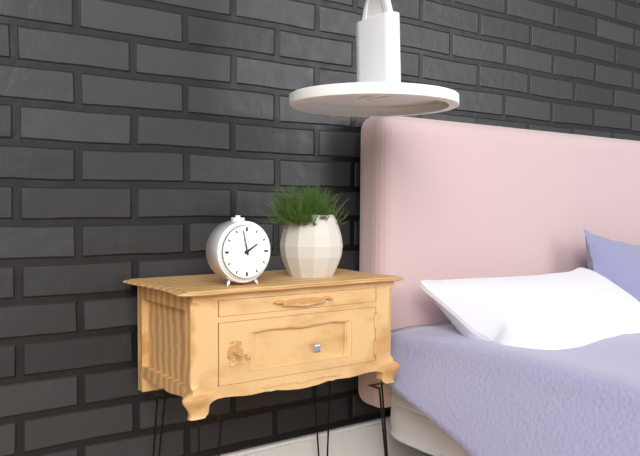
1:58
